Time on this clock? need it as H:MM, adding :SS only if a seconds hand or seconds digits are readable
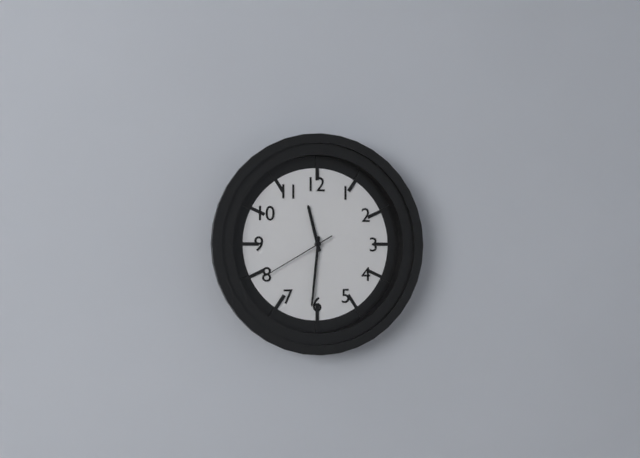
11:31:40
